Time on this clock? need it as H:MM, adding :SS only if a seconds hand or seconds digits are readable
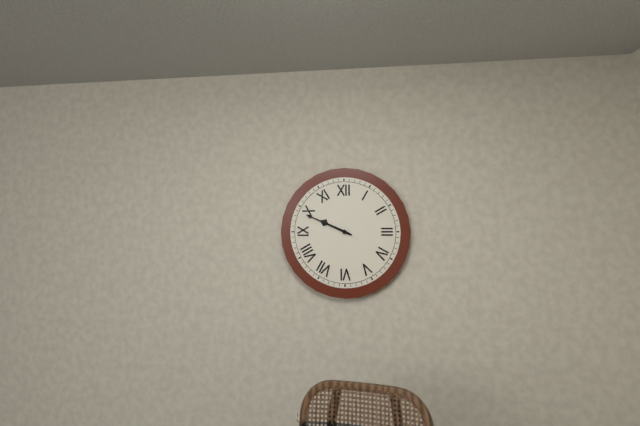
9:49
